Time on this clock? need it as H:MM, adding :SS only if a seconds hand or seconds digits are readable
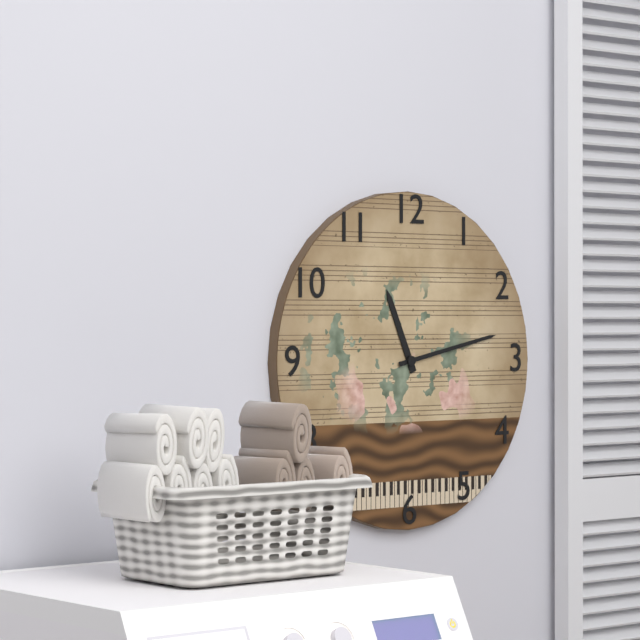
11:13
